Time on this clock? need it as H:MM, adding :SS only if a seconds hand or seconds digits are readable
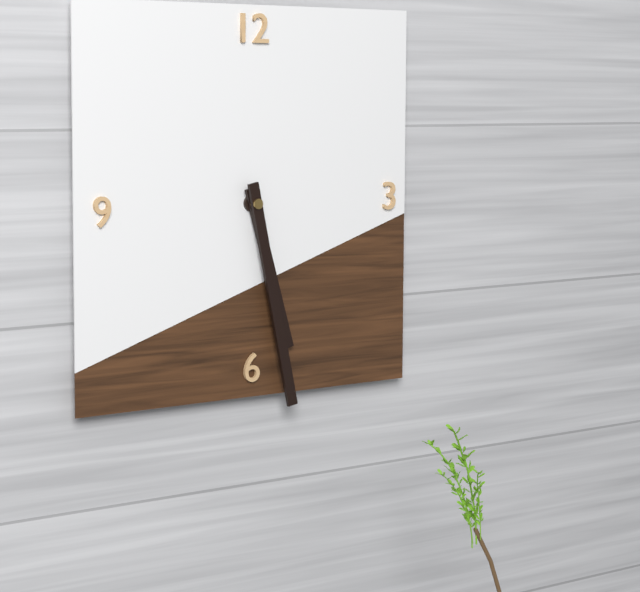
5:28
